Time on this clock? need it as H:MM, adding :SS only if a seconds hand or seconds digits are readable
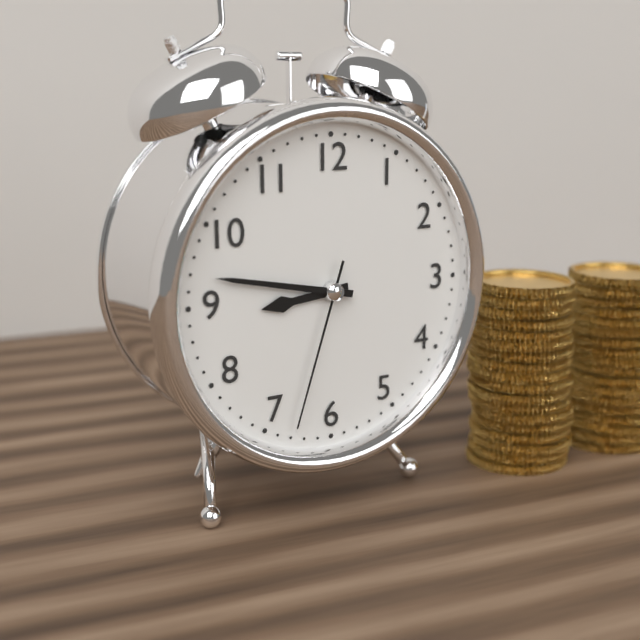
8:47:33
